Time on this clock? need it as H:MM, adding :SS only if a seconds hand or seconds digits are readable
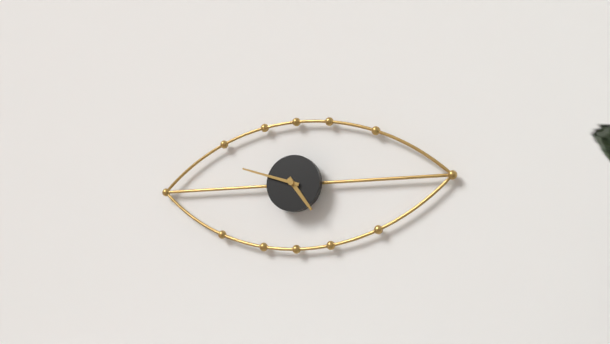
4:48
